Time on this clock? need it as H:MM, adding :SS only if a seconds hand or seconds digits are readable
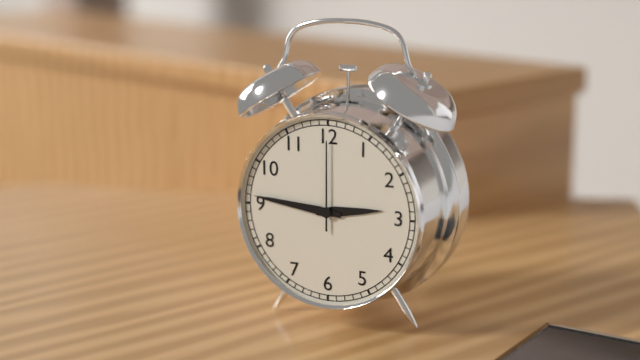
2:46:00
